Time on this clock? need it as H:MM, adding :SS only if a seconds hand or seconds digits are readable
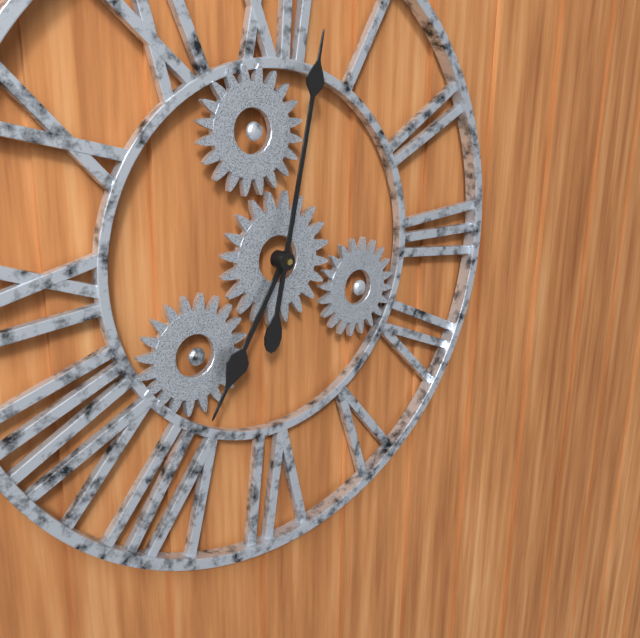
7:02
